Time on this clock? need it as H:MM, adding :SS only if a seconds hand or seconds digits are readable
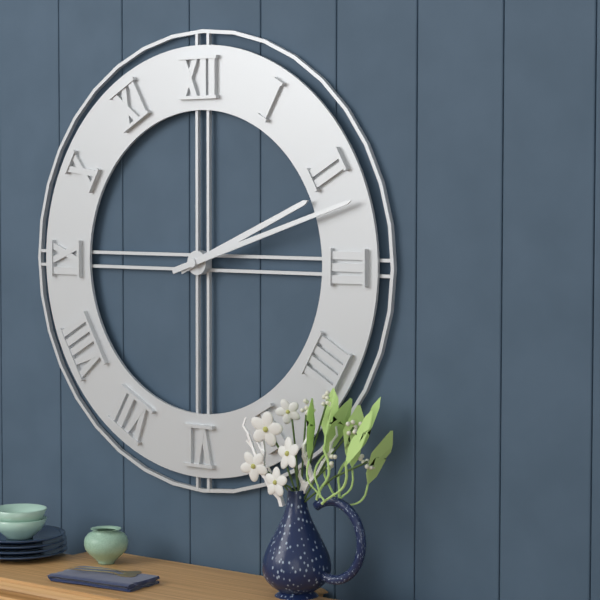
2:12
